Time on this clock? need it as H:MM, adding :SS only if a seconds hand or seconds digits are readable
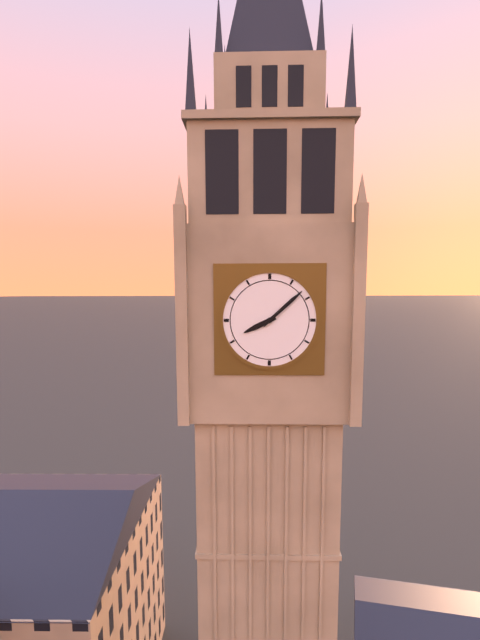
8:08
